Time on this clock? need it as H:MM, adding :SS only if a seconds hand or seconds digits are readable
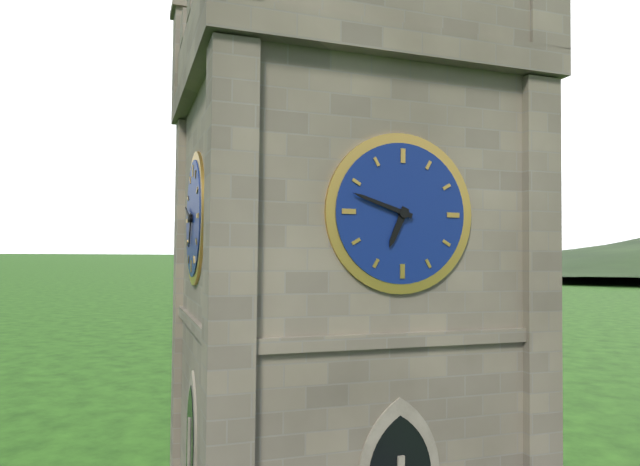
6:48
